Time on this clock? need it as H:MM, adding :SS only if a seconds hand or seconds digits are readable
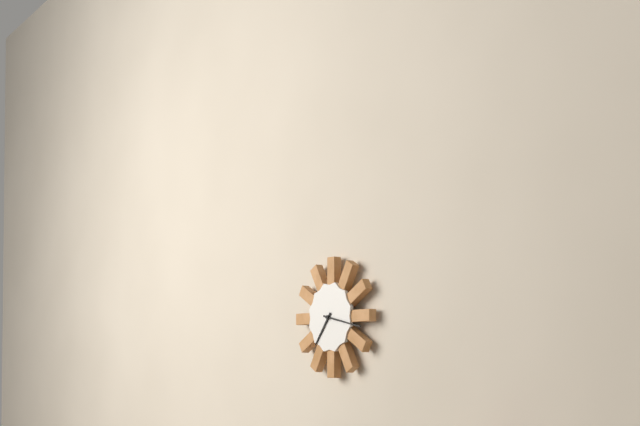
7:17
